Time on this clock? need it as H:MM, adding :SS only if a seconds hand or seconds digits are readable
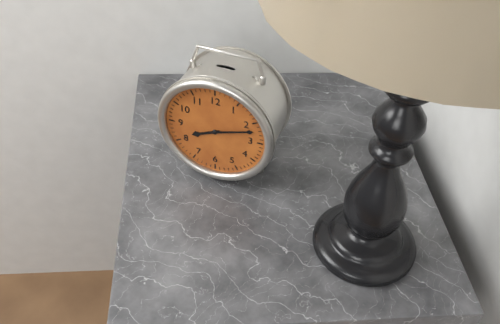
8:12
